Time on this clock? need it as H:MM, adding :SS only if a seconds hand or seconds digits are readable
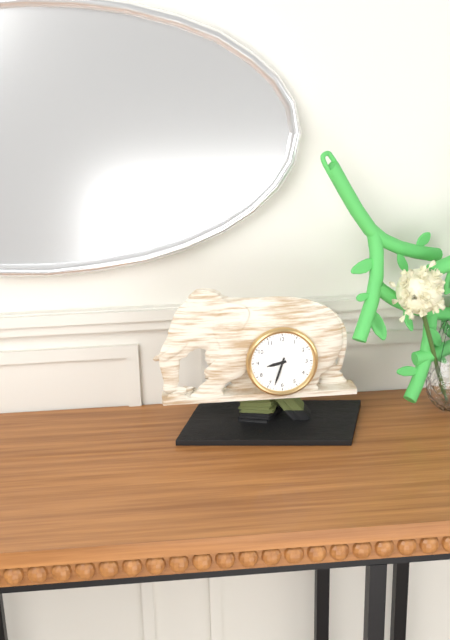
8:33
